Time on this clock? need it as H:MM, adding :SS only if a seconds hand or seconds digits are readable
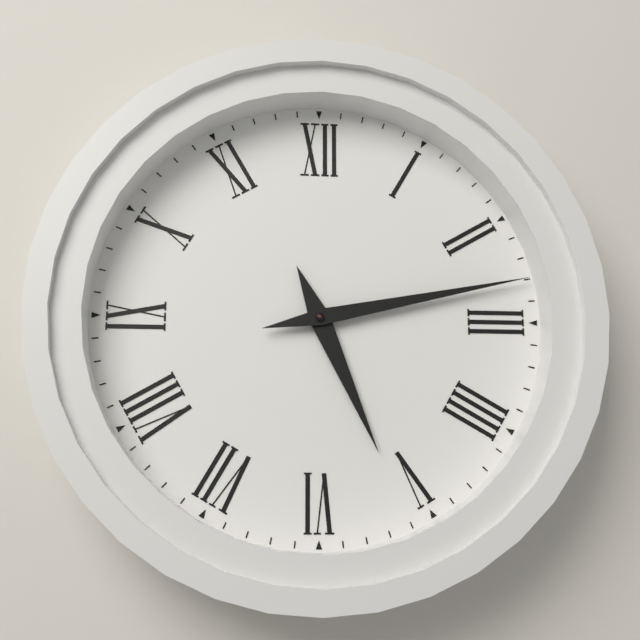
5:13
